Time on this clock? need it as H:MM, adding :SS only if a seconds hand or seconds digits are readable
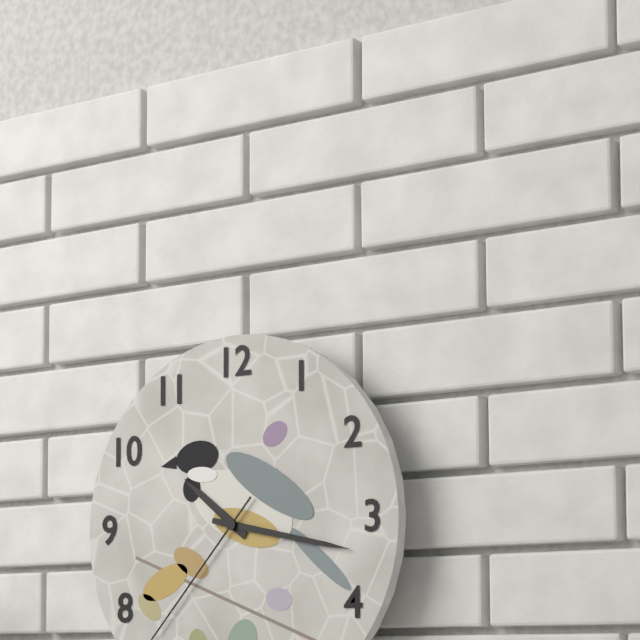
10:17
